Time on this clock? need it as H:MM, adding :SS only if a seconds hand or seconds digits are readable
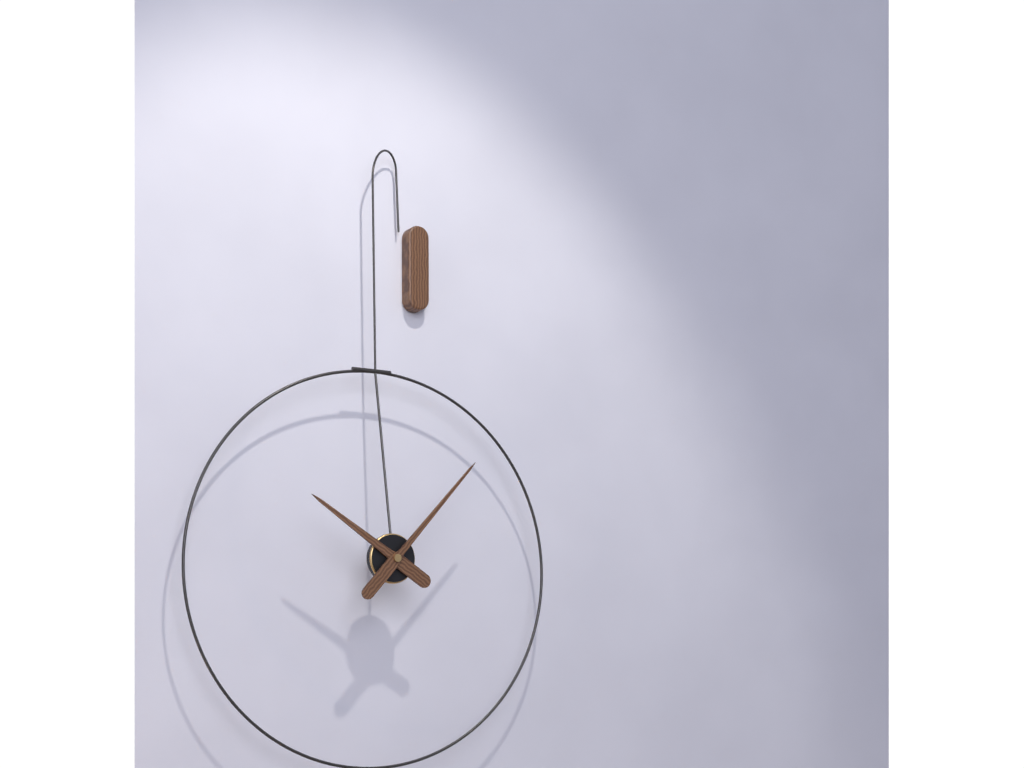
10:07
